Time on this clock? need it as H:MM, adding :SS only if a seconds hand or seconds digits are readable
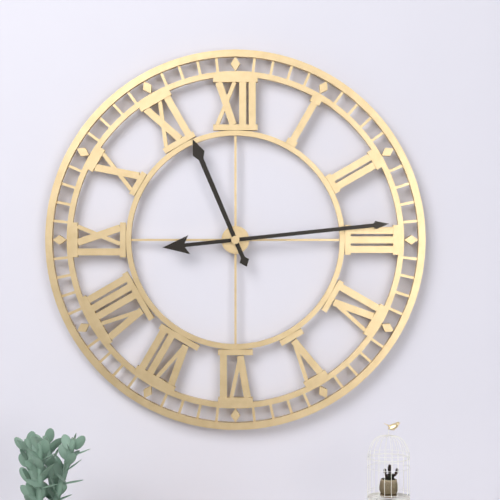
11:14
